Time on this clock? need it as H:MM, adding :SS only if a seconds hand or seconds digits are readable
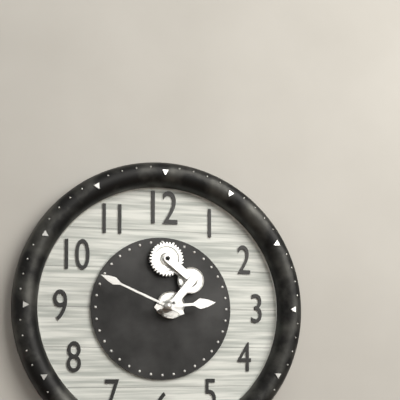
2:49
